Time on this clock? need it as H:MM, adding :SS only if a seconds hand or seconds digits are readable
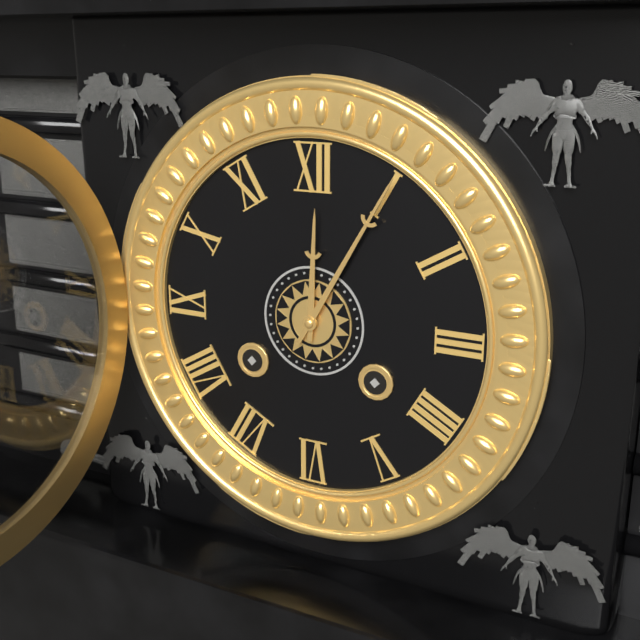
12:05
